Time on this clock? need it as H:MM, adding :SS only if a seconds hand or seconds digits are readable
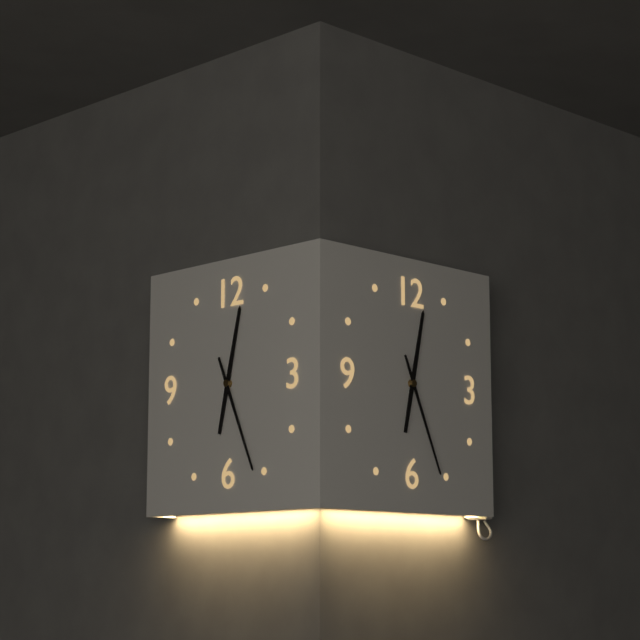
12:26
